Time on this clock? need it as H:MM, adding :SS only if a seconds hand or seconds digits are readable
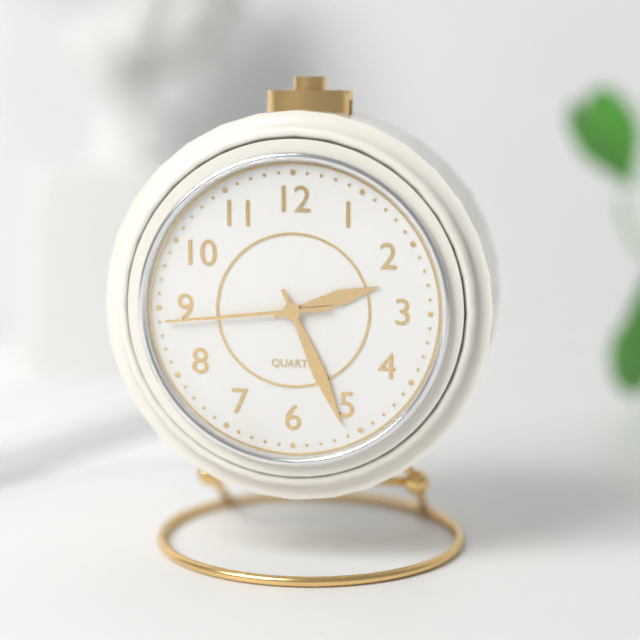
2:26:44
